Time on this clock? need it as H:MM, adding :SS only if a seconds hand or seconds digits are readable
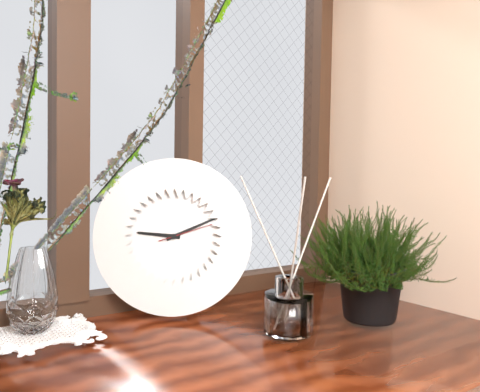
9:11
